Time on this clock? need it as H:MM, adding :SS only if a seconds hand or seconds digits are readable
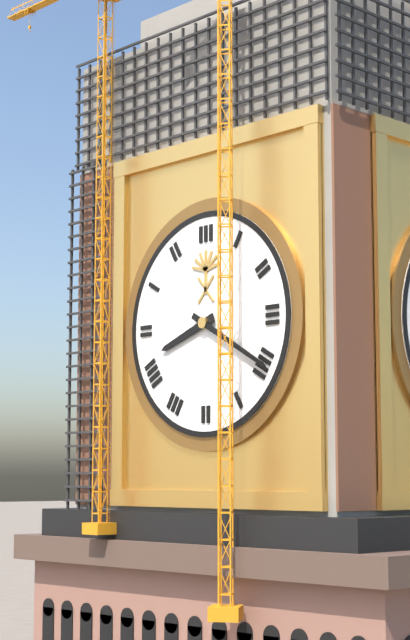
8:20
